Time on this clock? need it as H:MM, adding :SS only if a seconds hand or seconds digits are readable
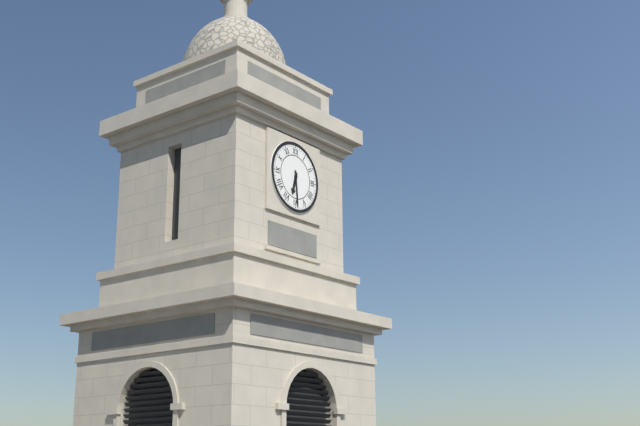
6:29
